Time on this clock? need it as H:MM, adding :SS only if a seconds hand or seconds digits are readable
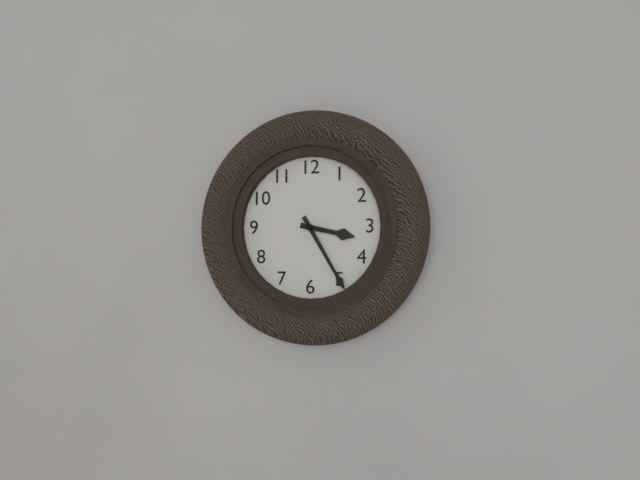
3:25
